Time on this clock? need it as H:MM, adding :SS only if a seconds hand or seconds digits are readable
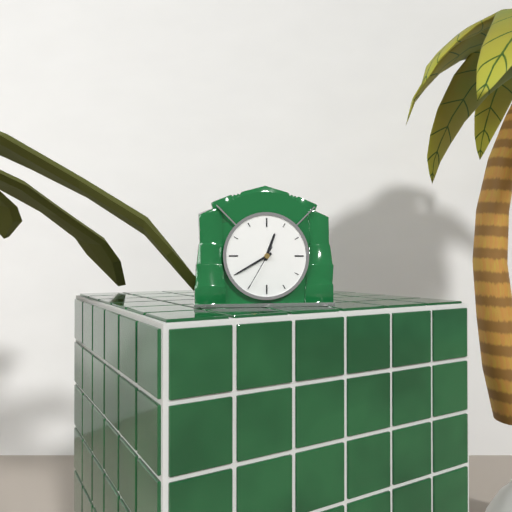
12:40
